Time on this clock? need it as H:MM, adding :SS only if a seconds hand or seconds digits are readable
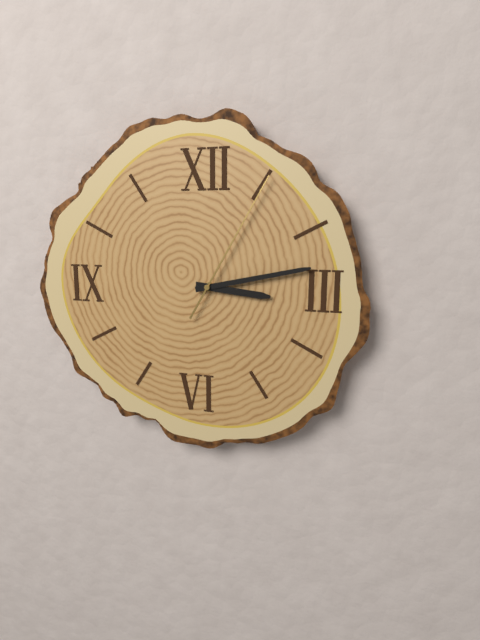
3:13:05
